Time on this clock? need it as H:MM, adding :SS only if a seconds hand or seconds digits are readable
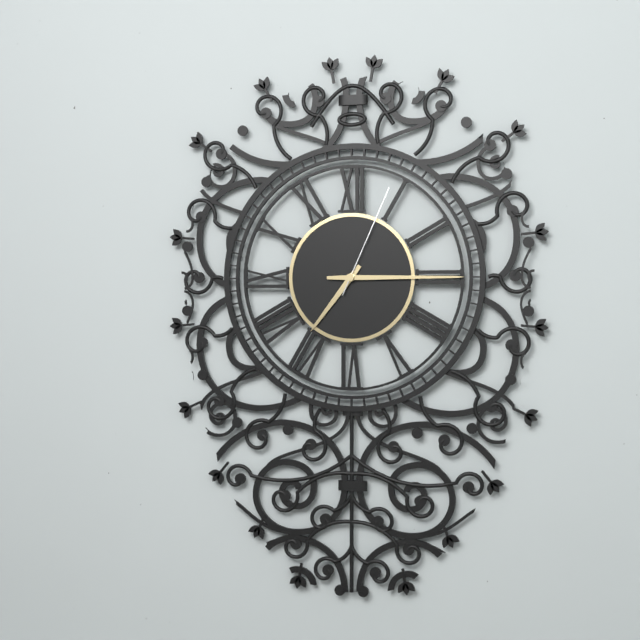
7:15:04
